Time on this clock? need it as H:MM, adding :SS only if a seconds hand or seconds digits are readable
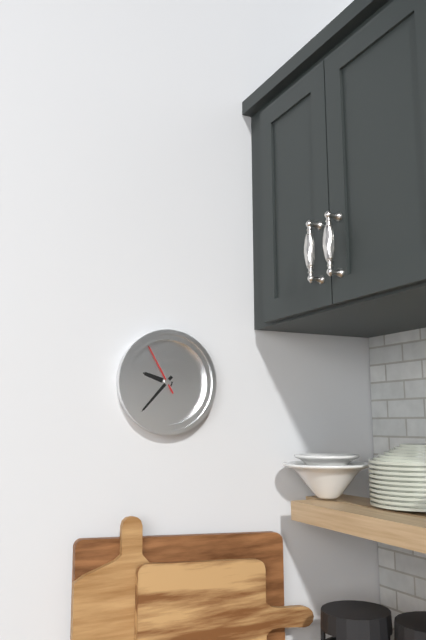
9:37:55
